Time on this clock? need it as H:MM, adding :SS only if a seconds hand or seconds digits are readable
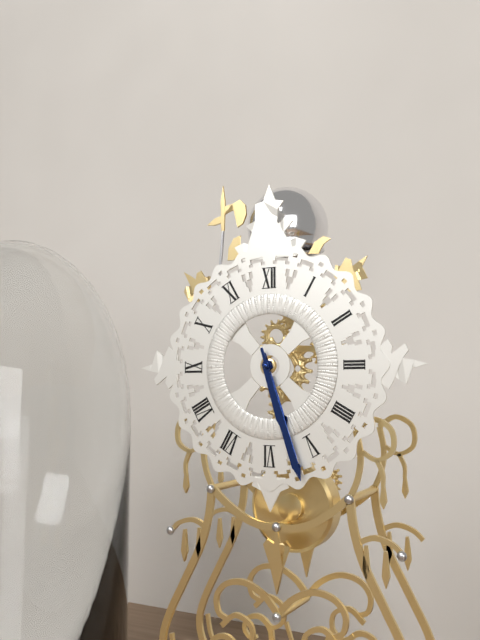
5:27
